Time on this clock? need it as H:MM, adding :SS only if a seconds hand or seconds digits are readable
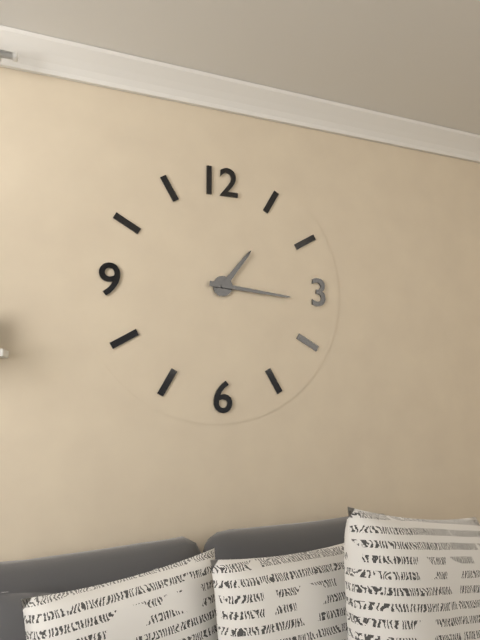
1:16
